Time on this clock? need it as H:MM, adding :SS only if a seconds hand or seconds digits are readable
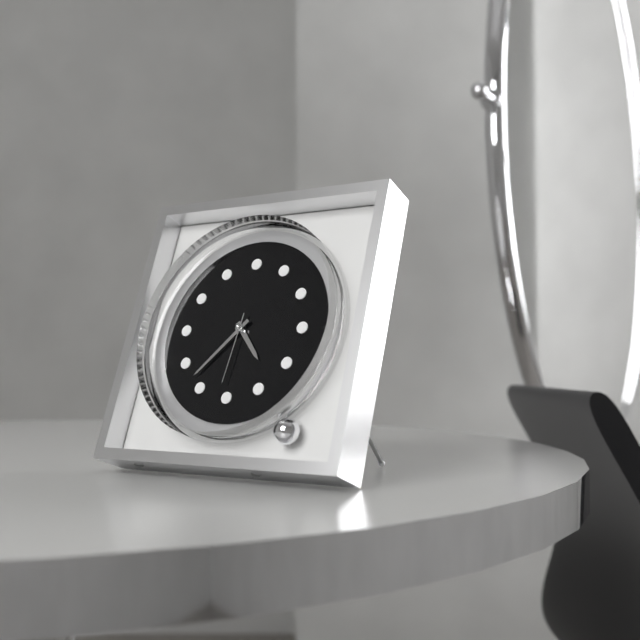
4:37:31
